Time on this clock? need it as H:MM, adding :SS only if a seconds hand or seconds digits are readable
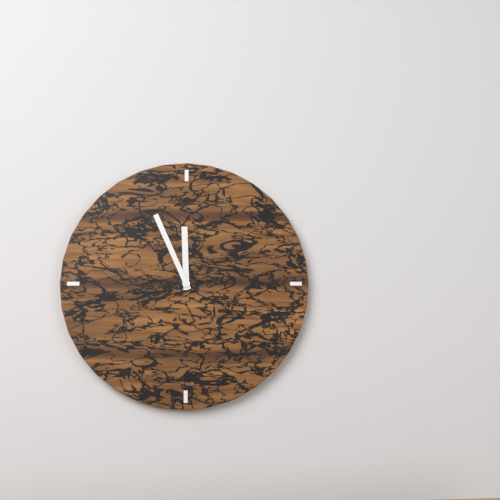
11:56
